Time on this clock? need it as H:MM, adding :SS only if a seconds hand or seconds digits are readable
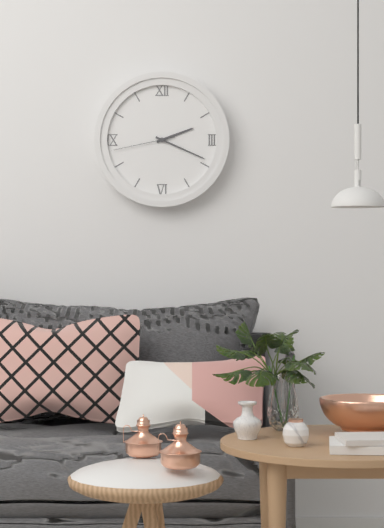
2:19:43
